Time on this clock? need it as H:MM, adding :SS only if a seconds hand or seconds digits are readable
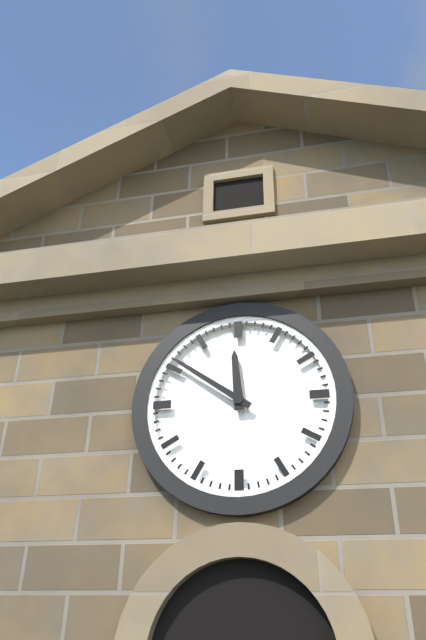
11:51
